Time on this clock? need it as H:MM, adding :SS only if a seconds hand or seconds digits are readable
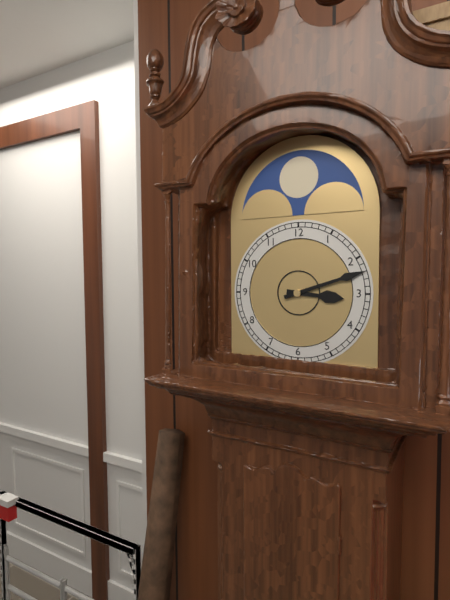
3:12
